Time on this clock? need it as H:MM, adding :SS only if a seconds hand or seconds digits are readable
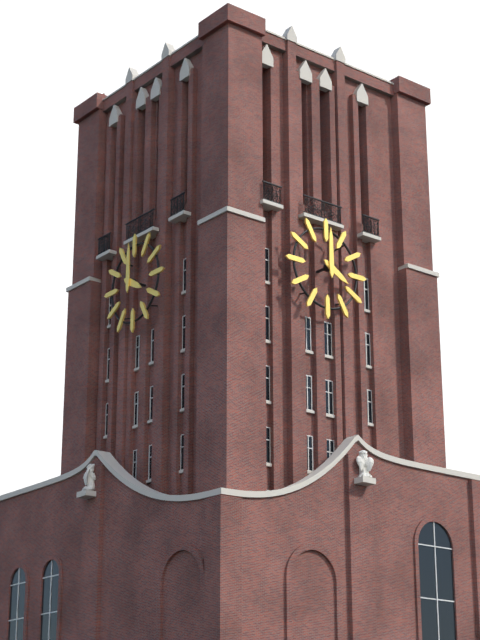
4:00
